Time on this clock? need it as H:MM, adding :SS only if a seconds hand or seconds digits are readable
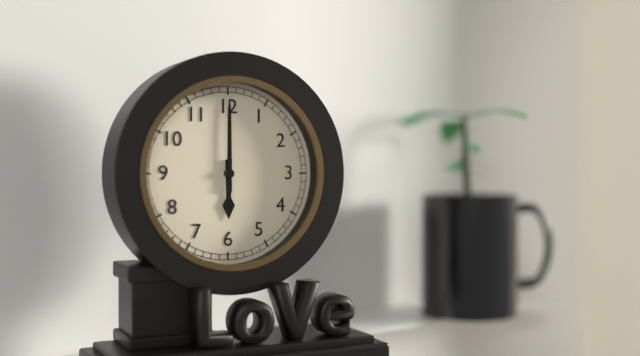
6:00
